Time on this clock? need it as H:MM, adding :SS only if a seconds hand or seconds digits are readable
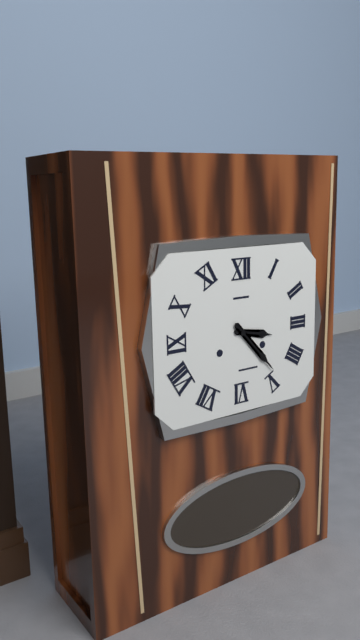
3:23
